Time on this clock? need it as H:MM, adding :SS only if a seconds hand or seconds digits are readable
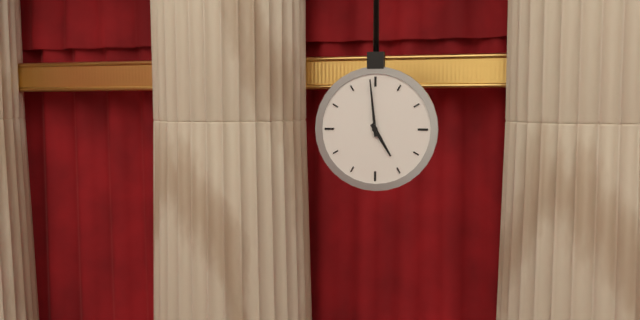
4:59
